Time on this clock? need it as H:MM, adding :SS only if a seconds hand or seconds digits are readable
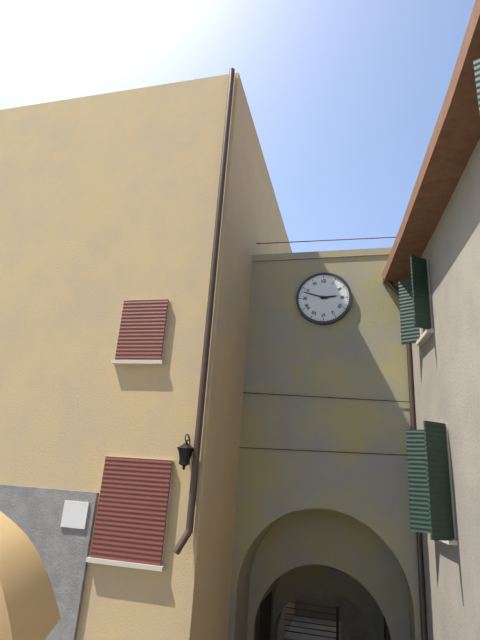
2:48
